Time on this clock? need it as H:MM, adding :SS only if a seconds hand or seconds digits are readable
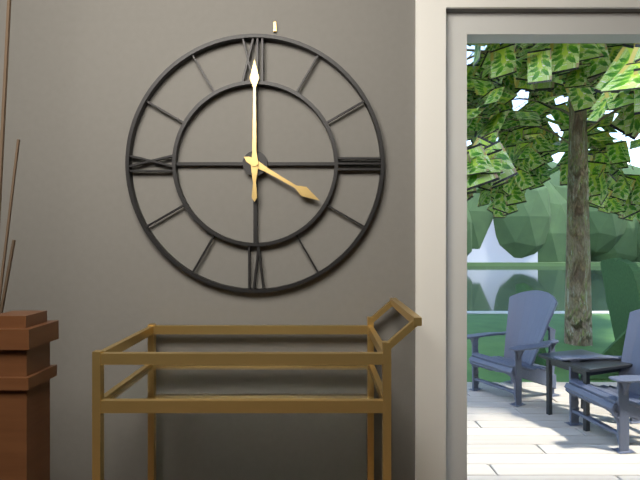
4:00
